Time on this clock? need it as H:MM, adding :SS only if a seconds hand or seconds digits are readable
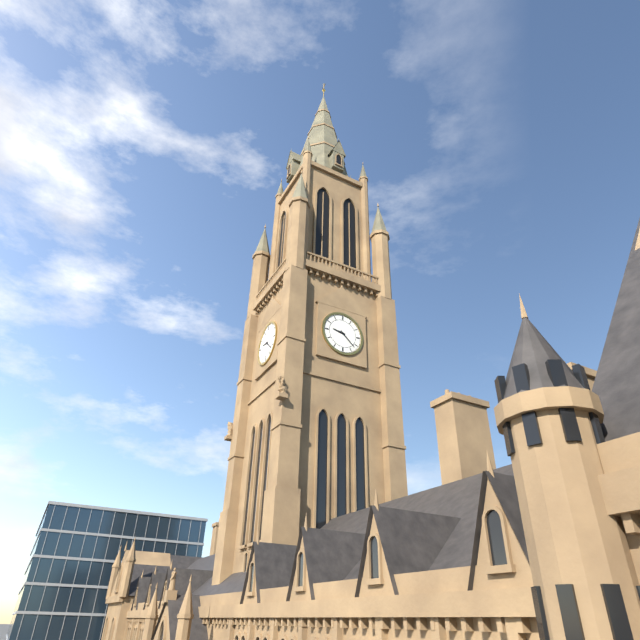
9:22
